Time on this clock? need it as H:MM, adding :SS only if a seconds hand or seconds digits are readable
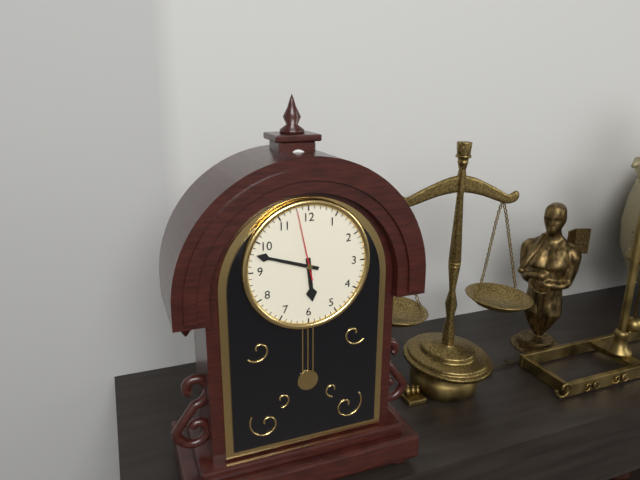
5:48:58
